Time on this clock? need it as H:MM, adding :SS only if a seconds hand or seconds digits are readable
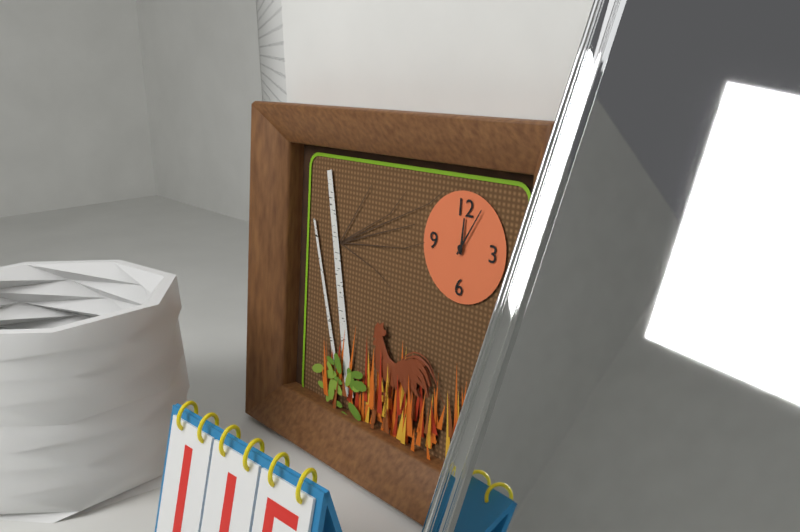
12:05
